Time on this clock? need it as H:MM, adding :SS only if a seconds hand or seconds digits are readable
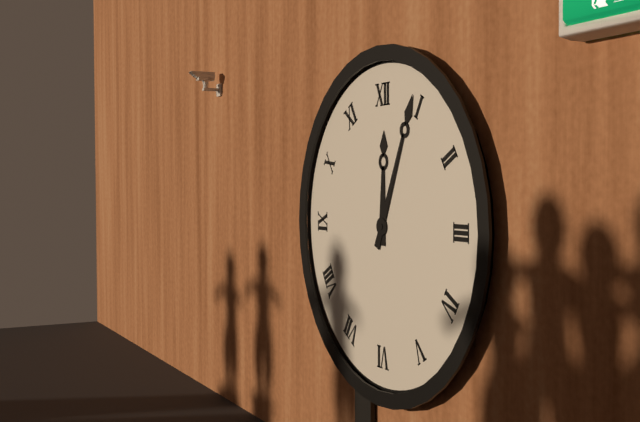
12:04
